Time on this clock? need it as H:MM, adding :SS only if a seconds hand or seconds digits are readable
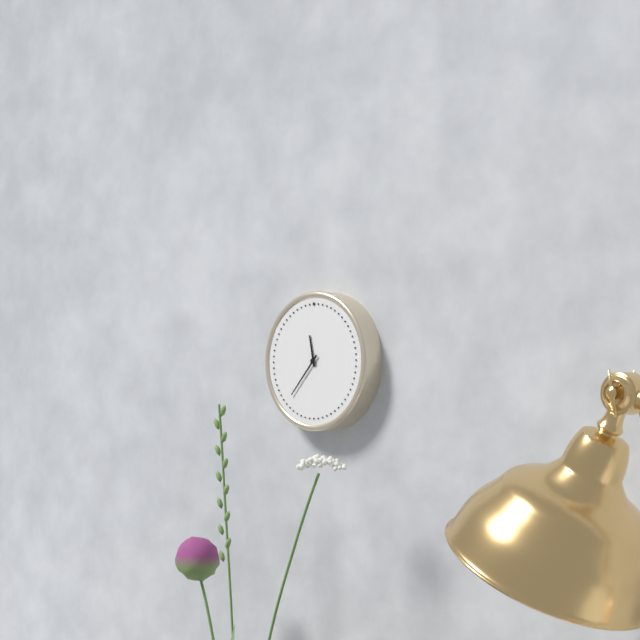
11:37
